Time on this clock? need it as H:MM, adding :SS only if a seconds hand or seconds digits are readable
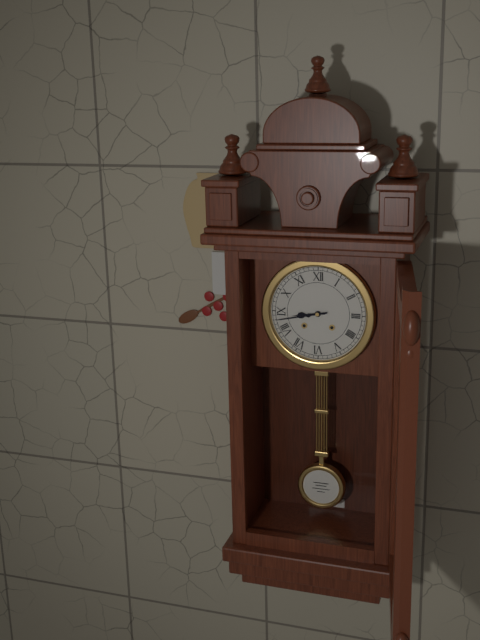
8:43
